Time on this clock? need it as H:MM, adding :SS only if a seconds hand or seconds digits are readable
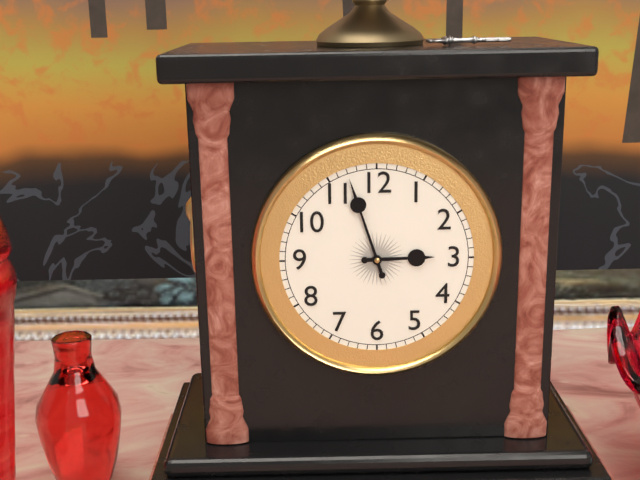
2:57
